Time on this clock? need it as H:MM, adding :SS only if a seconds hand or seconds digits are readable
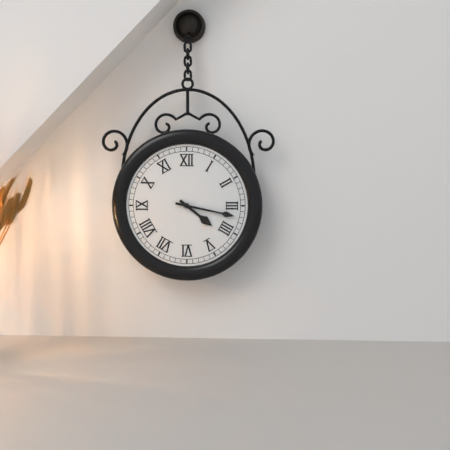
4:17
